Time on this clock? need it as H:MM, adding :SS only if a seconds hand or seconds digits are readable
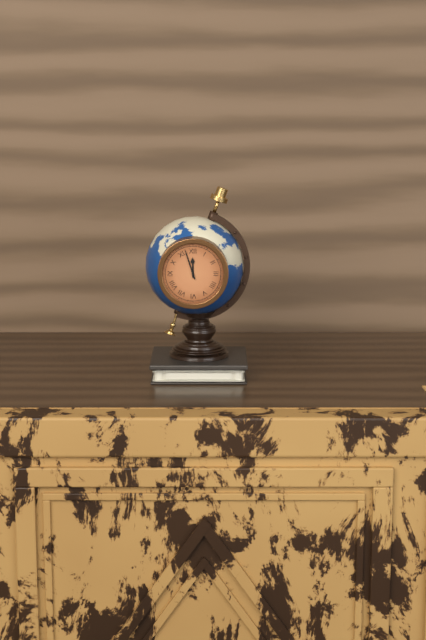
11:57
